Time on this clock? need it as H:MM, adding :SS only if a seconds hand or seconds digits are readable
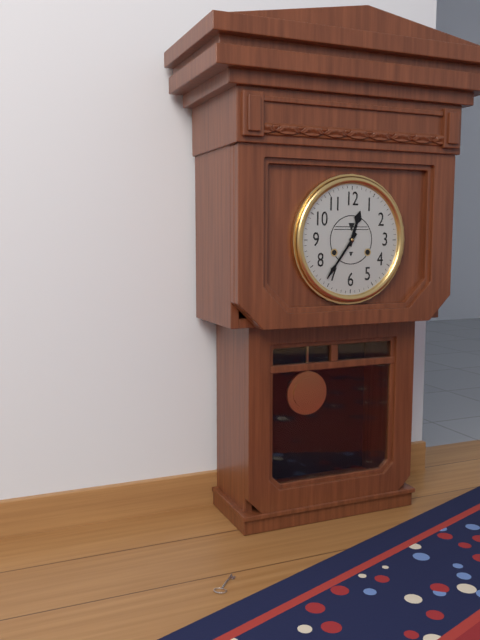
12:36
